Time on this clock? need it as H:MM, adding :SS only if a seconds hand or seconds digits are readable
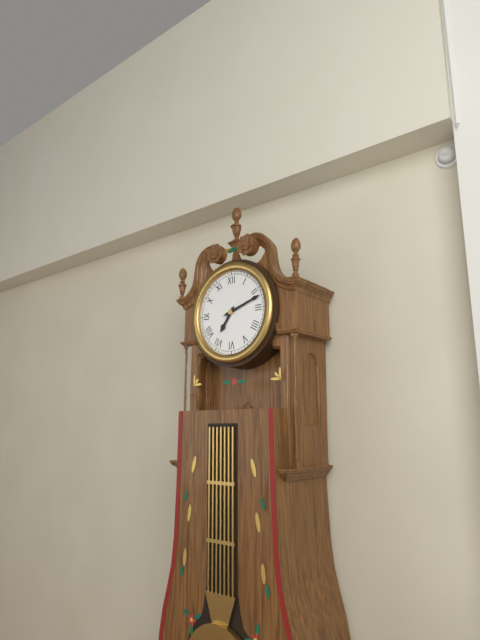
7:12
